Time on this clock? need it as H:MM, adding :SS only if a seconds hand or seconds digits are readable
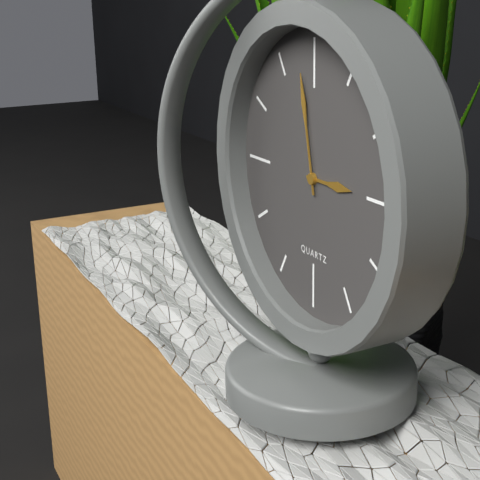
2:58
